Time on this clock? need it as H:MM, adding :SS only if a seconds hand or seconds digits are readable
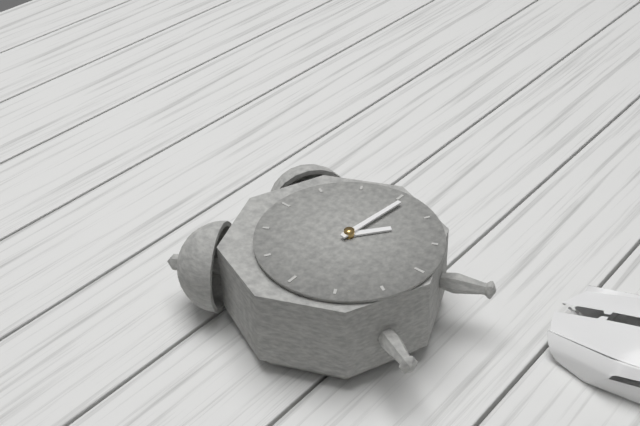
4:16
